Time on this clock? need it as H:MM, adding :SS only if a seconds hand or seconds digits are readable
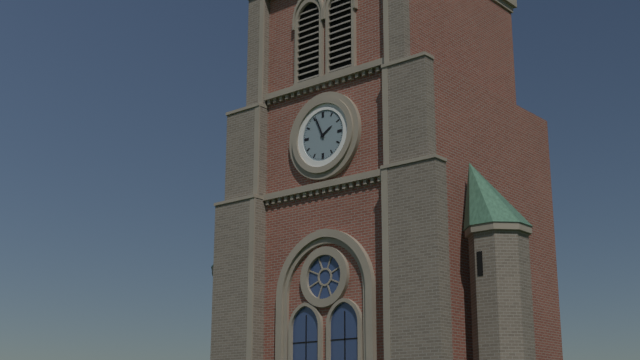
1:56
